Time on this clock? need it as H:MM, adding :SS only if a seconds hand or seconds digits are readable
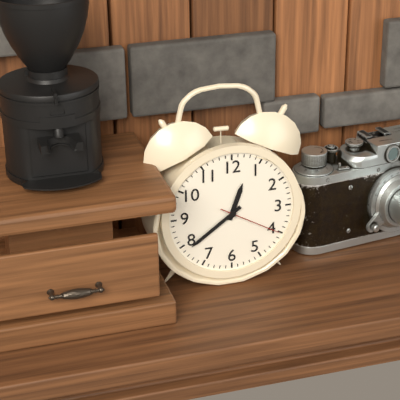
12:39:20
